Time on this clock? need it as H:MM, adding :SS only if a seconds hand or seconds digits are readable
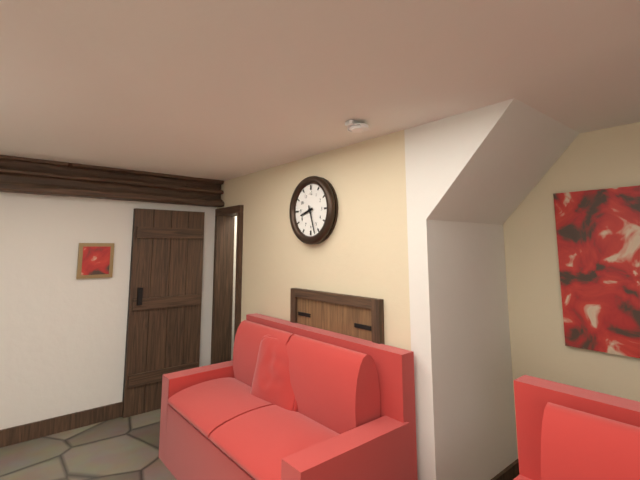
8:27
